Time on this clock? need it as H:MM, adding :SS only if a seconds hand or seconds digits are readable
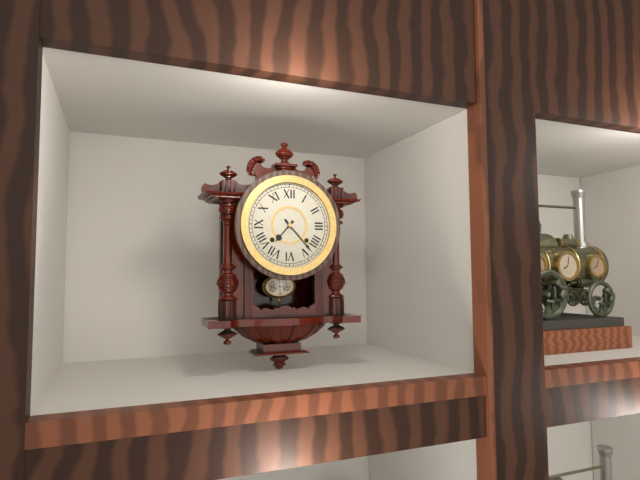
7:23
